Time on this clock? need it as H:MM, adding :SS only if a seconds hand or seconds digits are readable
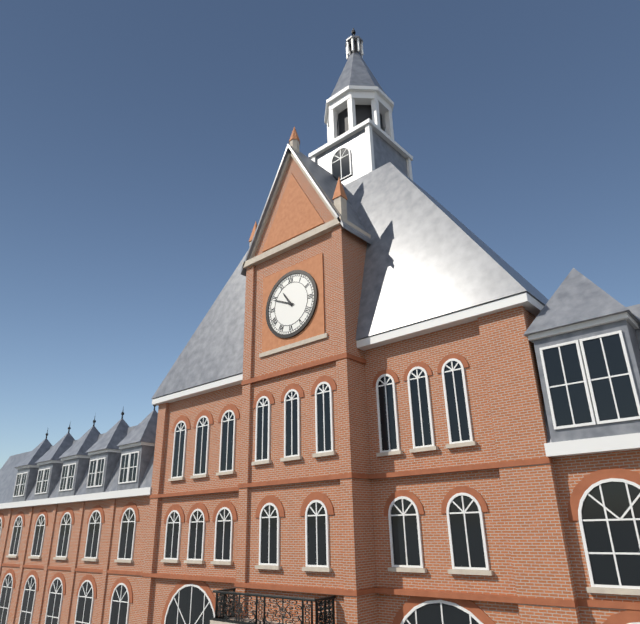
10:49
